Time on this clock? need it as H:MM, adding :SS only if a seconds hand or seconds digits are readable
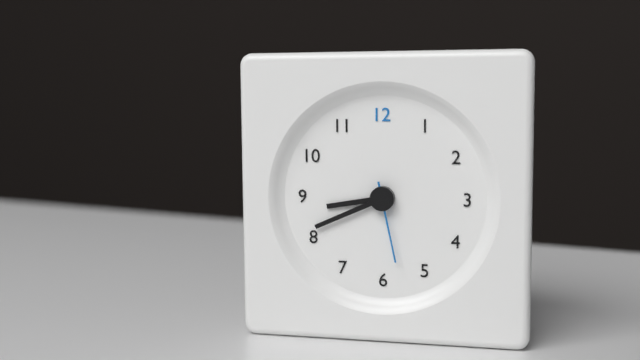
8:41:28
